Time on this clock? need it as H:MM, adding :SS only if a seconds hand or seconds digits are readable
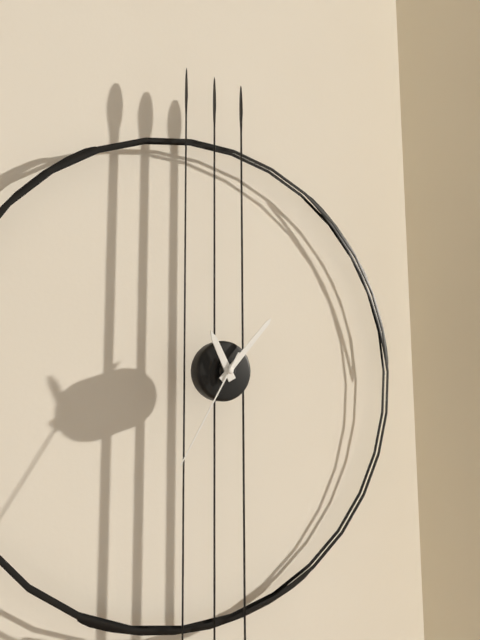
11:07:35
